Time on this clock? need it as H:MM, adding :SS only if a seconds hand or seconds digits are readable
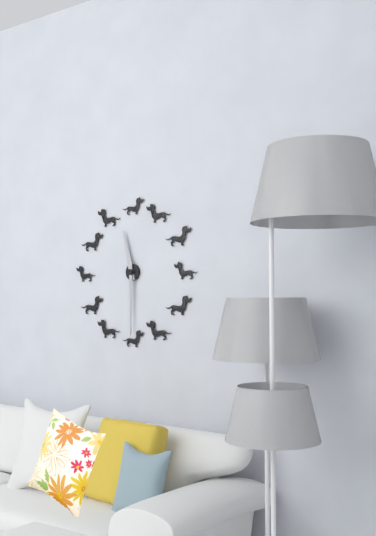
11:30
